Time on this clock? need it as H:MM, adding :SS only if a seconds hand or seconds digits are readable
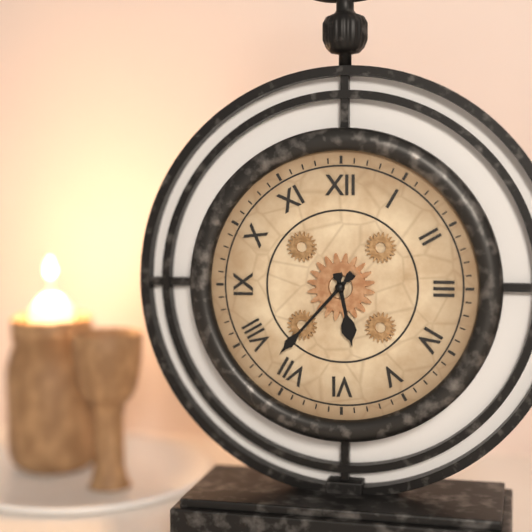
5:37
